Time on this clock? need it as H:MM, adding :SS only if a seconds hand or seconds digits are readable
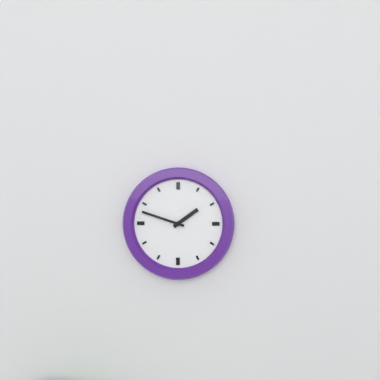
1:48
